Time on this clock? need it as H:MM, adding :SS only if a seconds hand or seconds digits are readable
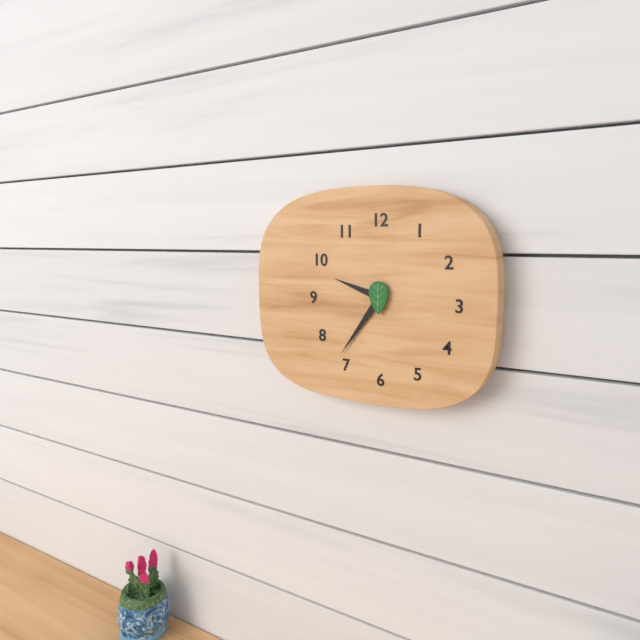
9:36
